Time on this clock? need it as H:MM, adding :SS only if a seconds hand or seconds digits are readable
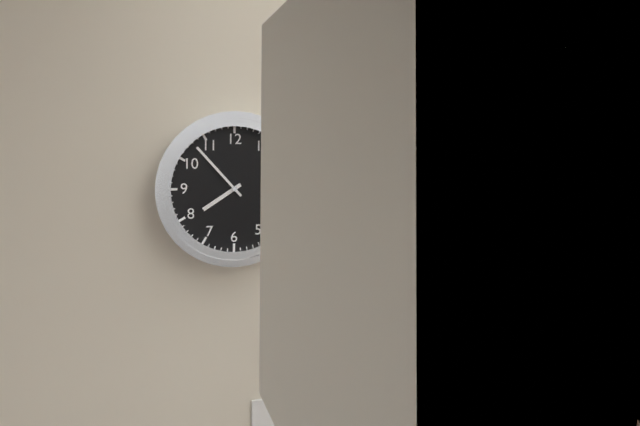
7:53
